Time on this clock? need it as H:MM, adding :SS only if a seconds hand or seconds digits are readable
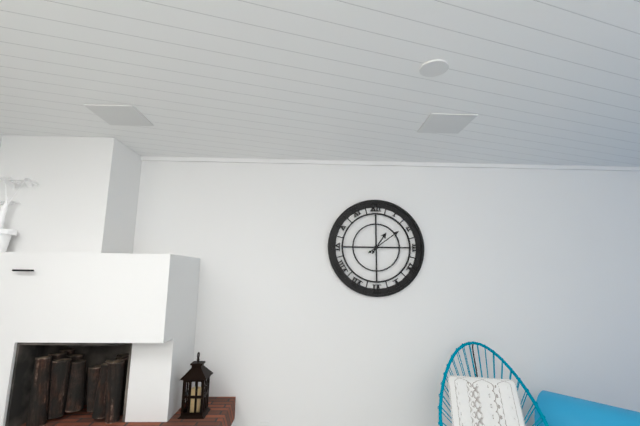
1:09
